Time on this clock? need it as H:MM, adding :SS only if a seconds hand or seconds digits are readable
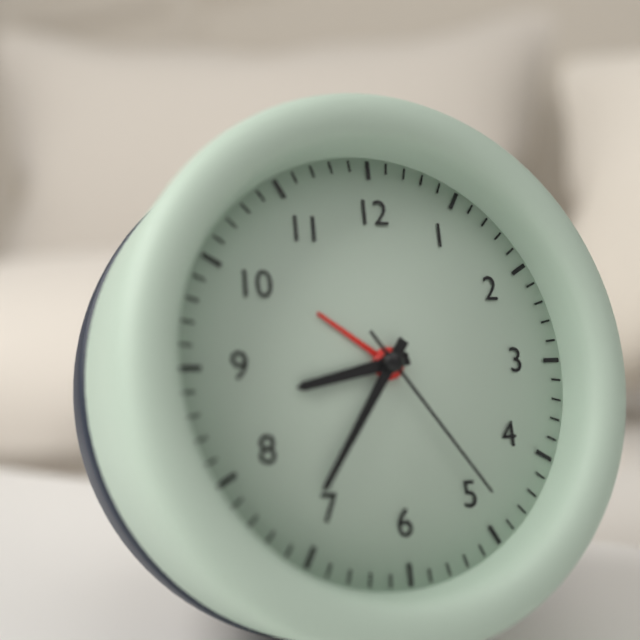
8:36:24
